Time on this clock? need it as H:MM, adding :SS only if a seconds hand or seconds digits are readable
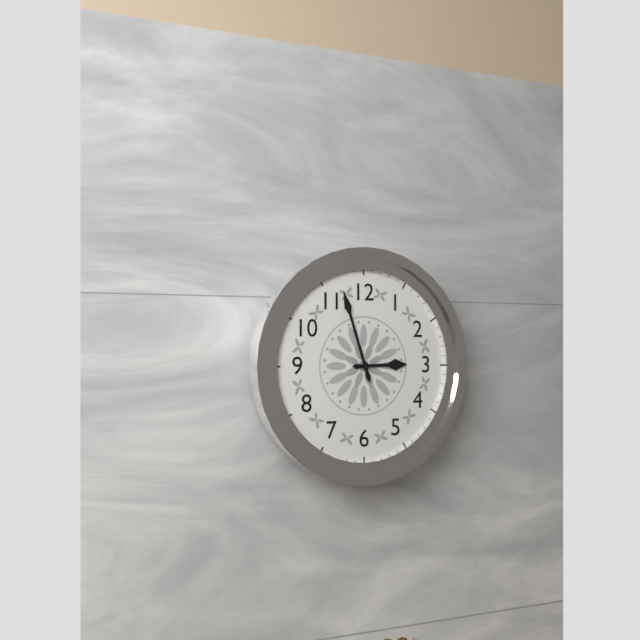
2:57
